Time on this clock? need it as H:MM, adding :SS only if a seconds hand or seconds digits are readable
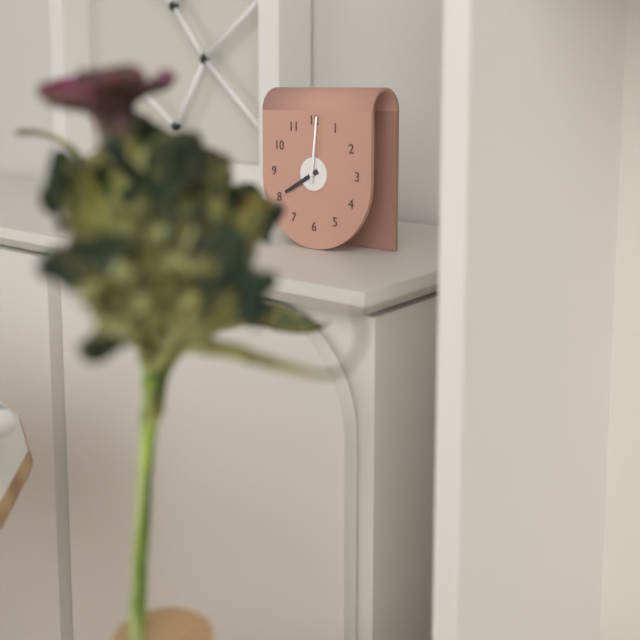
8:01
